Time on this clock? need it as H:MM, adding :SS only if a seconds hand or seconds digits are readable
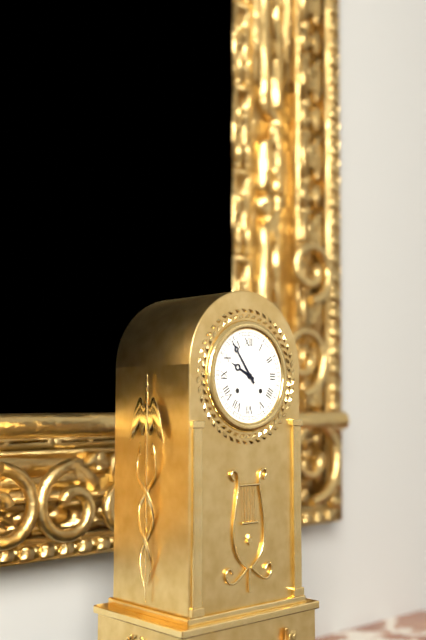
9:54
